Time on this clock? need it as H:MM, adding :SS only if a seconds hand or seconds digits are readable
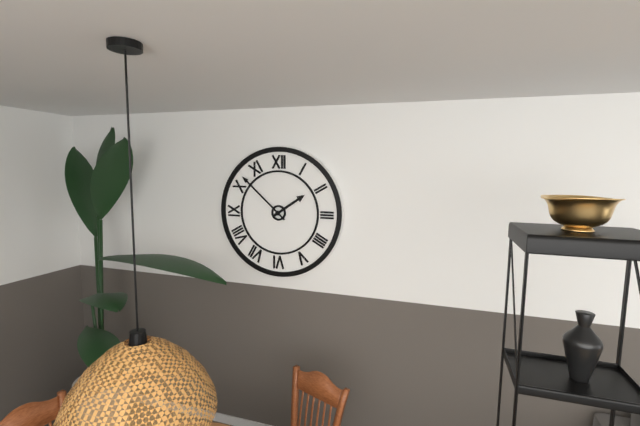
1:52
